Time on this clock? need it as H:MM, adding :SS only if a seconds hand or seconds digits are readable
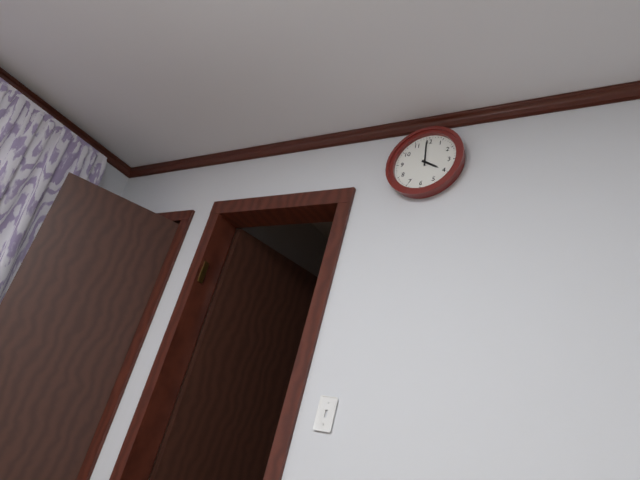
3:59
